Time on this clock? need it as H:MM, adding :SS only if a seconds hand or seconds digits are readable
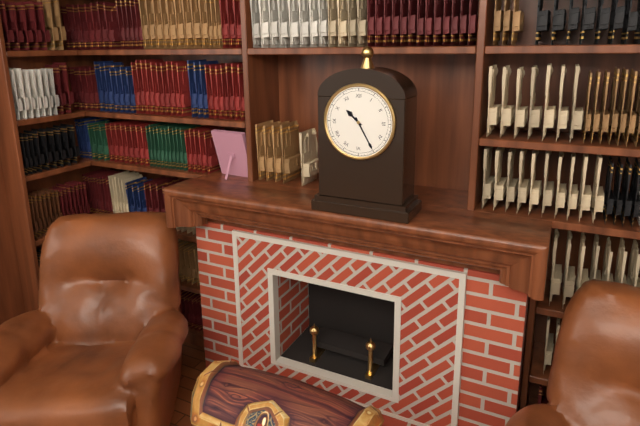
10:25
